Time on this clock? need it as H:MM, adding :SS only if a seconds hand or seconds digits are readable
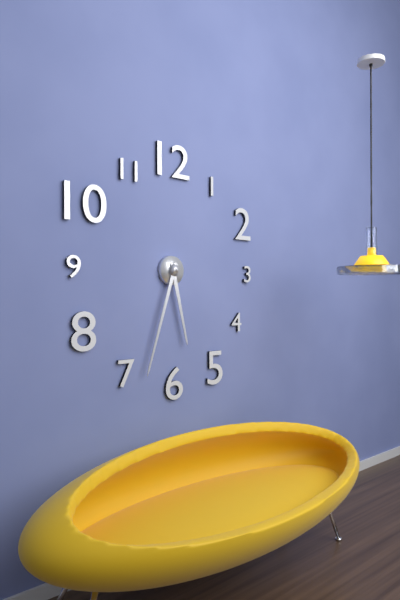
5:33
